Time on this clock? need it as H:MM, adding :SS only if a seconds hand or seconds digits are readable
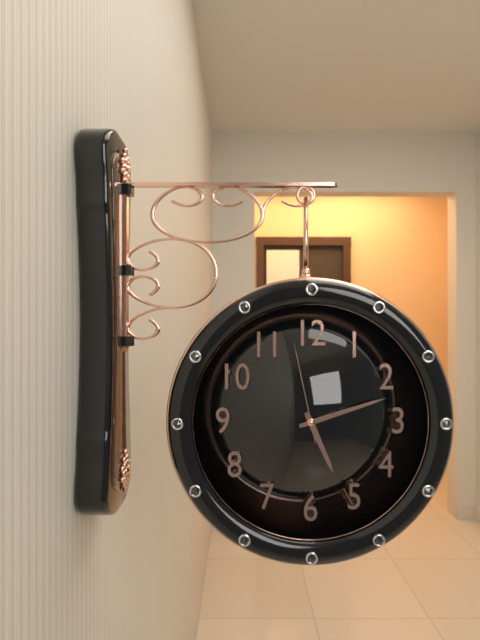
5:12:58
